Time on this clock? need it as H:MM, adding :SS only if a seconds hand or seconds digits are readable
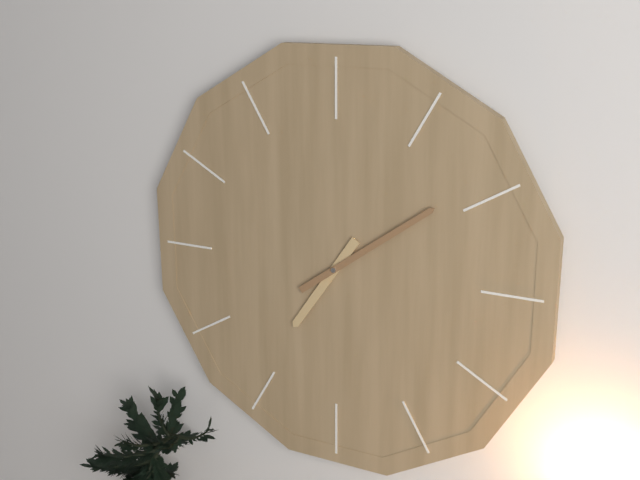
7:09
